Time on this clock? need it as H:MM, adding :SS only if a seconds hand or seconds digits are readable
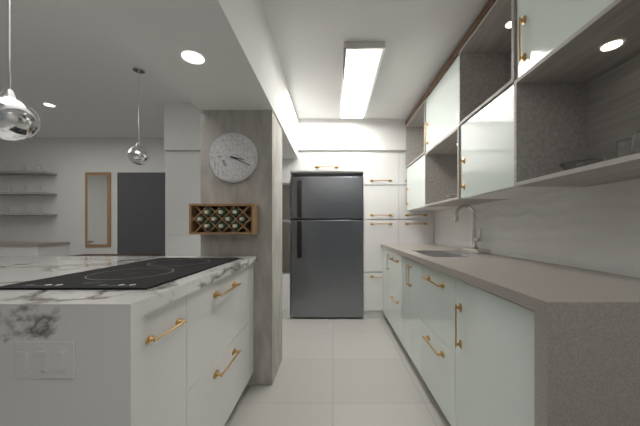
3:19
